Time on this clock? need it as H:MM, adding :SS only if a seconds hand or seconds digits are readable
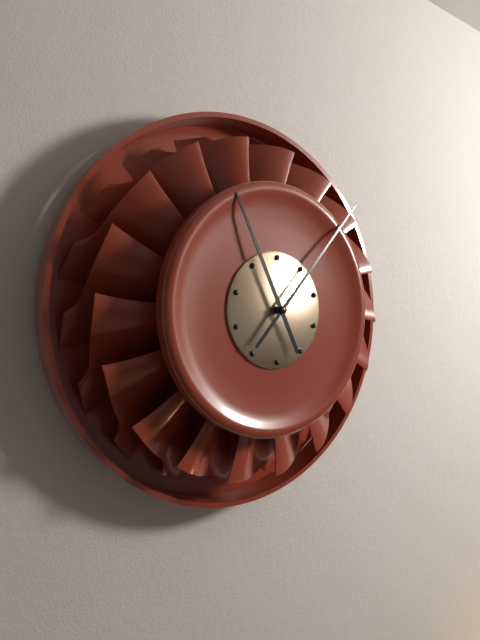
11:07
